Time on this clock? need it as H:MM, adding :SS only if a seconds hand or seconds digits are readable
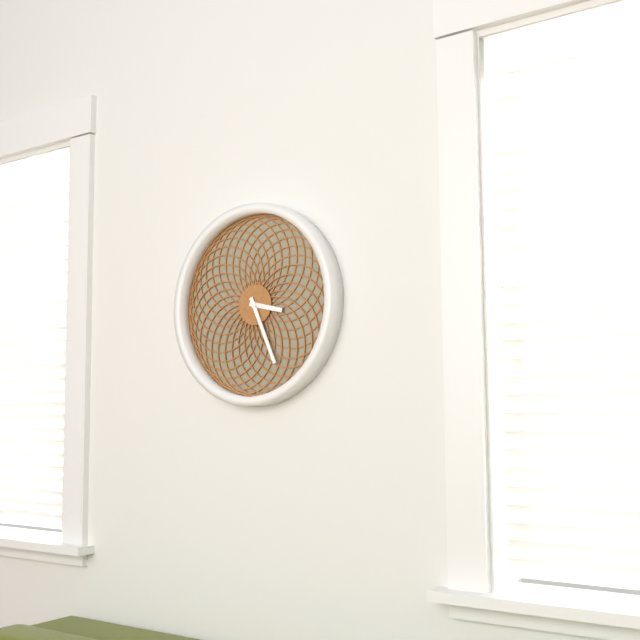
3:26
